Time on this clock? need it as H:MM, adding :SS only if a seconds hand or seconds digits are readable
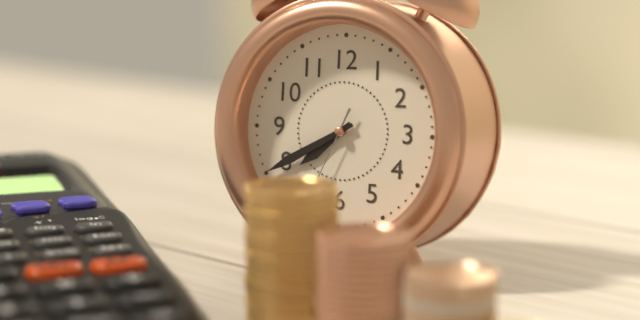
7:40
